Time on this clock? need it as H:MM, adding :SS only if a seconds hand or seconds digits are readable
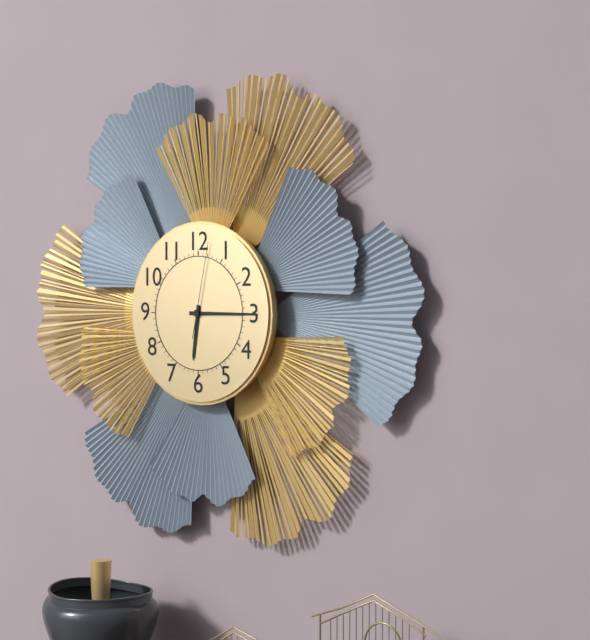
6:15:02
